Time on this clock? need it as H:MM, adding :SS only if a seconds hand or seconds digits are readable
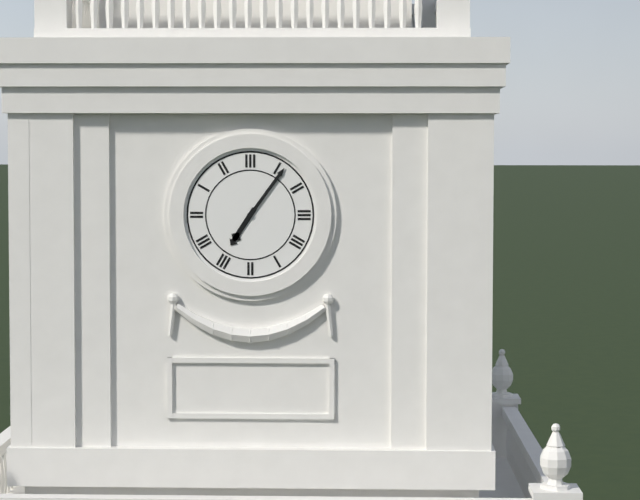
7:06
